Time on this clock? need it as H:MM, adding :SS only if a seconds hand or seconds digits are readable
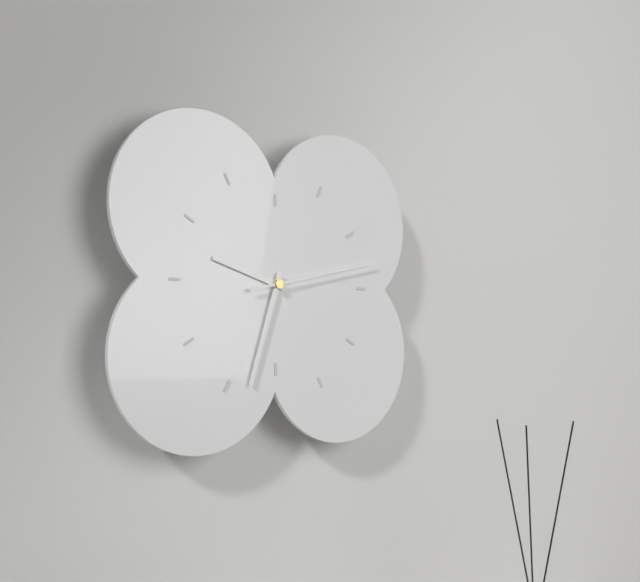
9:33:13
